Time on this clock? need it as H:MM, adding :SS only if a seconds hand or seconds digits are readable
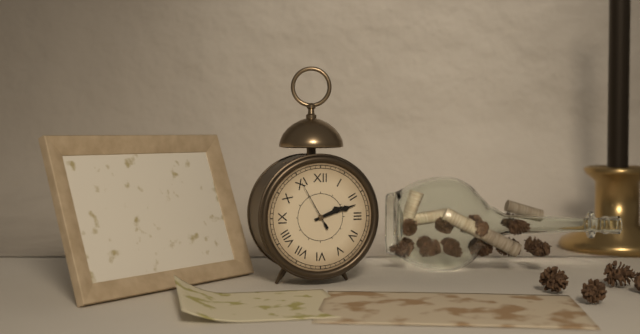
2:12:55
